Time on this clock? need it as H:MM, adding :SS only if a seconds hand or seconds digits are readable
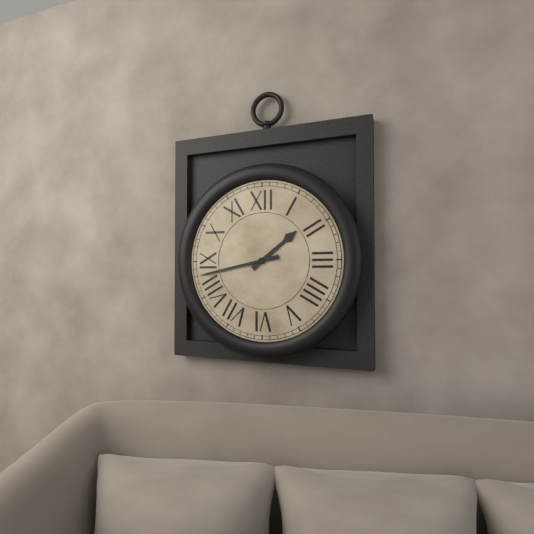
1:43
